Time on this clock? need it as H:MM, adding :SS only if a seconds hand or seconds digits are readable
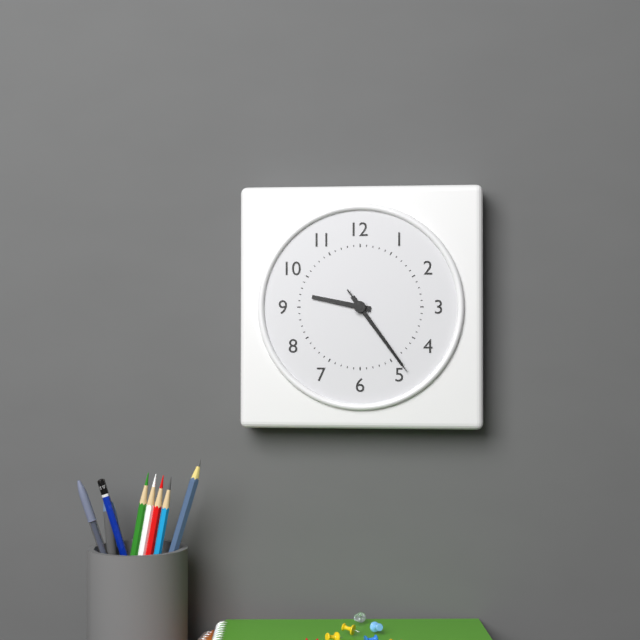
9:24:24
